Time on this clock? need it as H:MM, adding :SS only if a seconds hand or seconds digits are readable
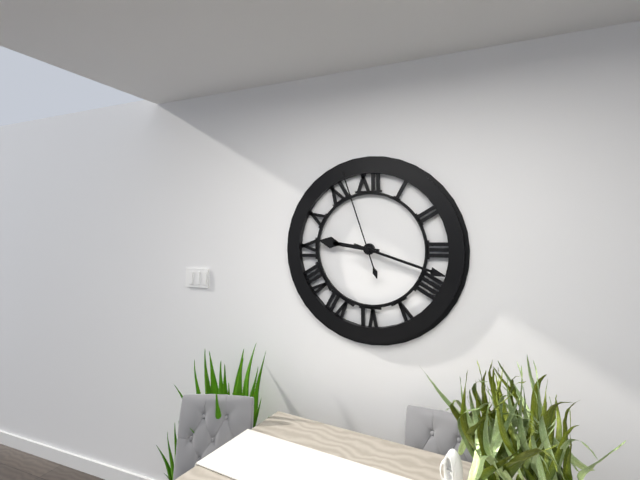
9:18:57
